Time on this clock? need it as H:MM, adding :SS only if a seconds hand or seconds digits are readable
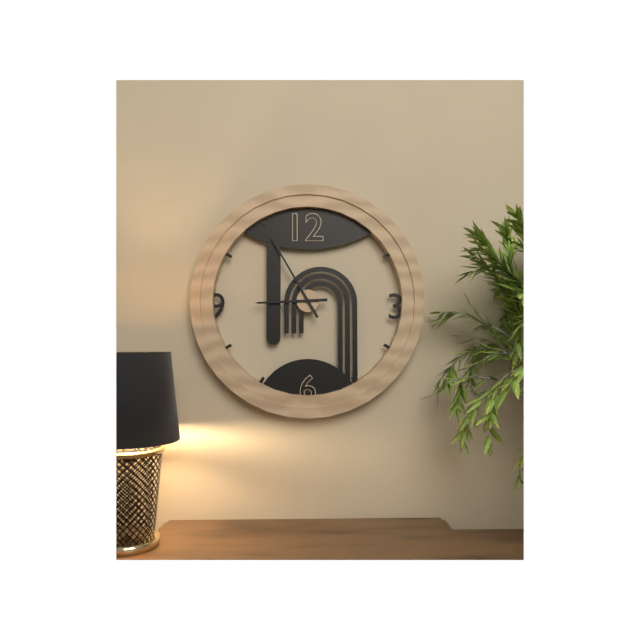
8:55
